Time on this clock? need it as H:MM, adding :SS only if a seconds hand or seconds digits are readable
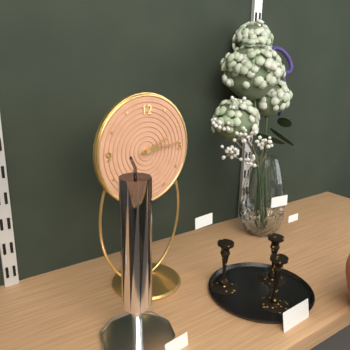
2:14
